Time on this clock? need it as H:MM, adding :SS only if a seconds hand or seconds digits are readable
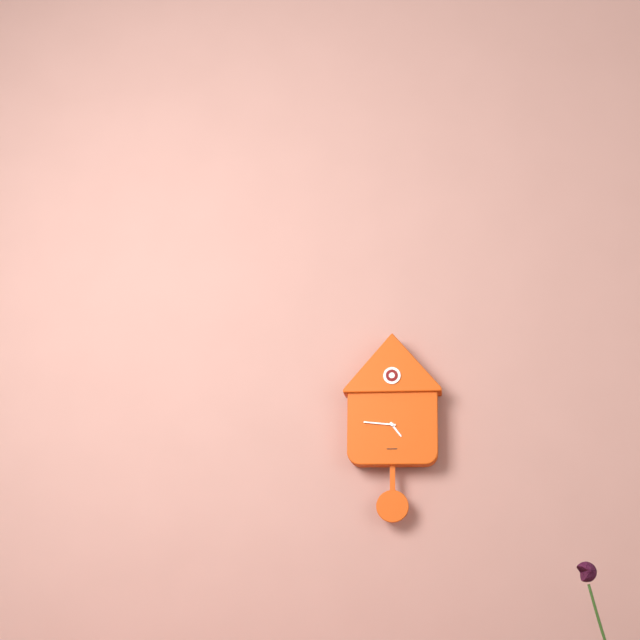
4:46
